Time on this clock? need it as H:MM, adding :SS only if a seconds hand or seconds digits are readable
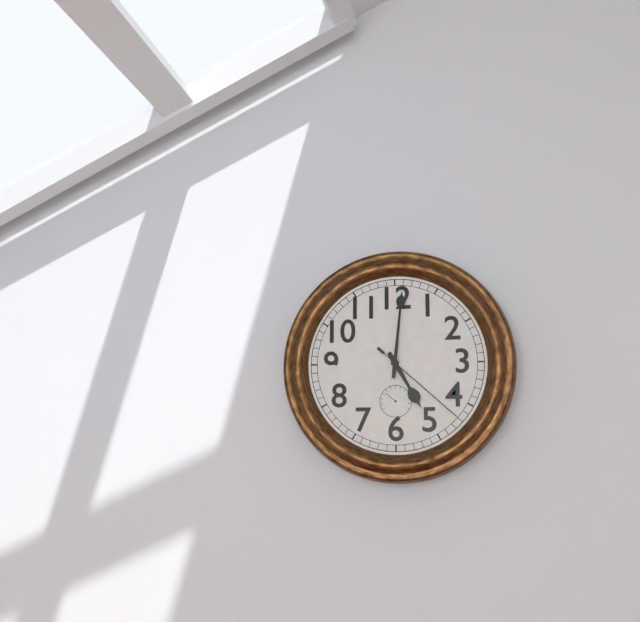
5:01:22
